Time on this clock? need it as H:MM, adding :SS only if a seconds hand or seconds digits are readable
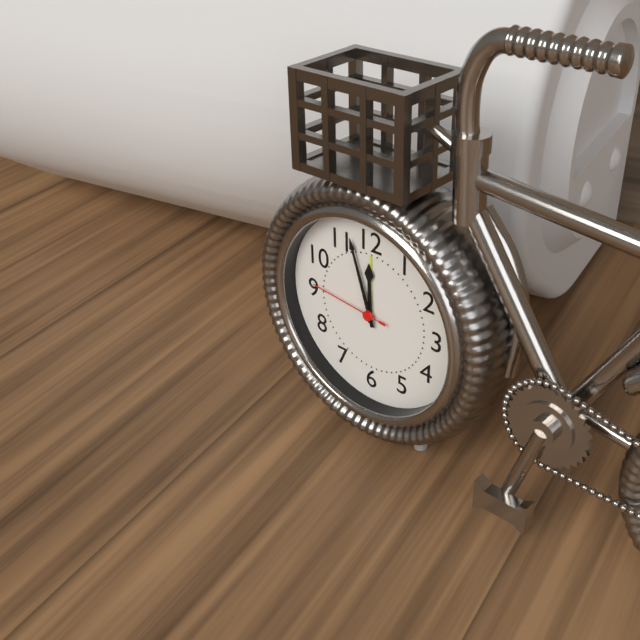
11:57:46
